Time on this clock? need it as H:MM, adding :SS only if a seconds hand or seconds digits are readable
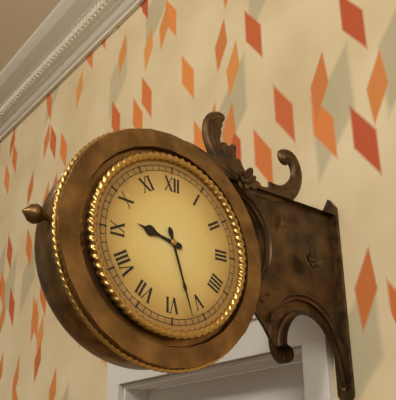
9:27
